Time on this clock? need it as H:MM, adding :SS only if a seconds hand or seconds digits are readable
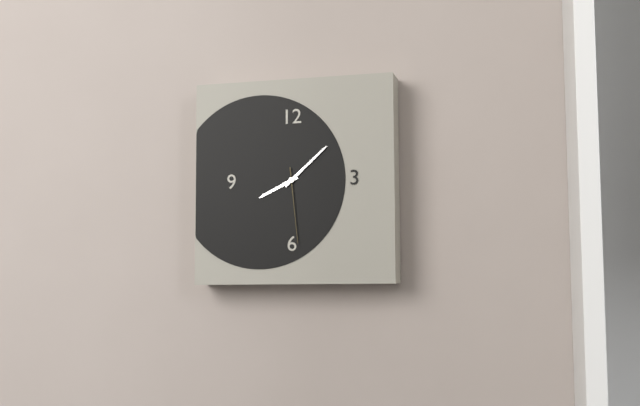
8:08:29
